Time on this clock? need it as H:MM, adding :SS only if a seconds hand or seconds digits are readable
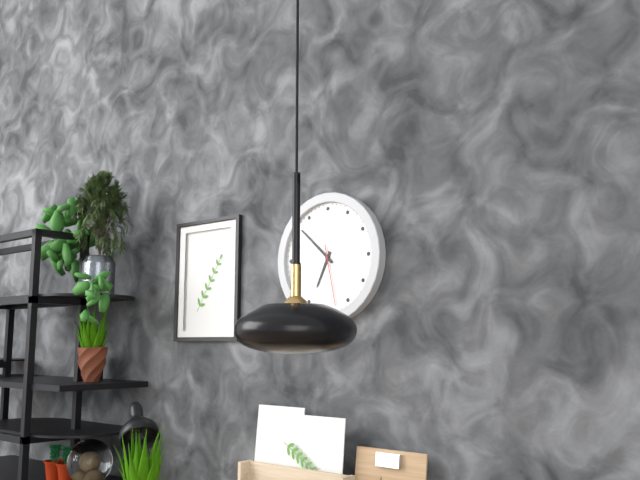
6:52:28
